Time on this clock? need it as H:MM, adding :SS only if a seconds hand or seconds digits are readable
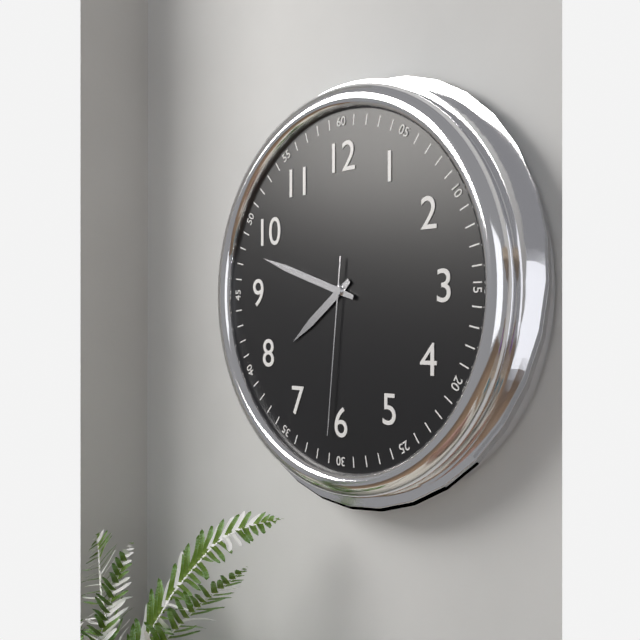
7:48:31
